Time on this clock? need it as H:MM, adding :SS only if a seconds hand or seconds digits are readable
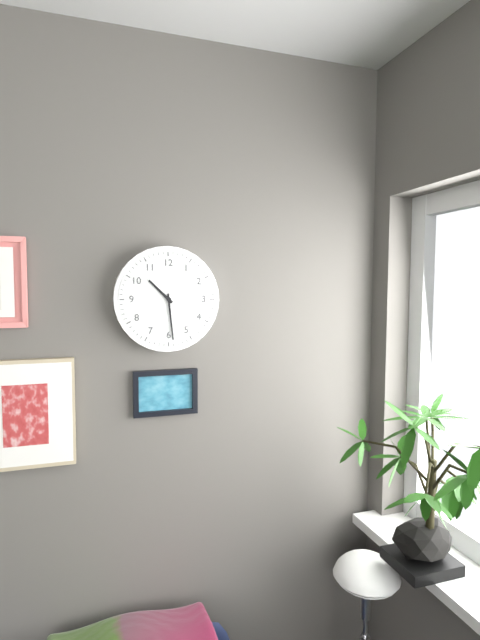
10:29
